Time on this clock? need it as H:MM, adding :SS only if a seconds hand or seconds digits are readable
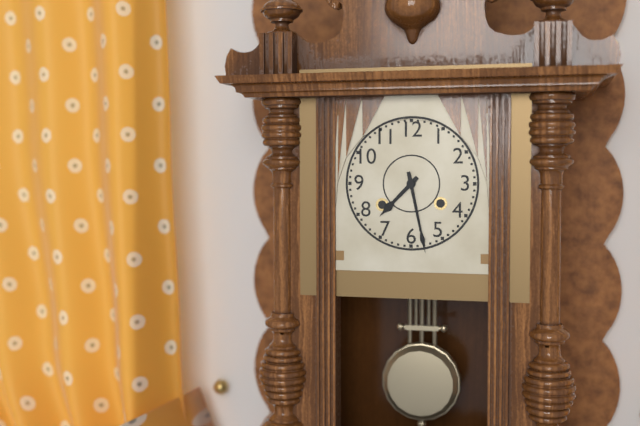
7:28
